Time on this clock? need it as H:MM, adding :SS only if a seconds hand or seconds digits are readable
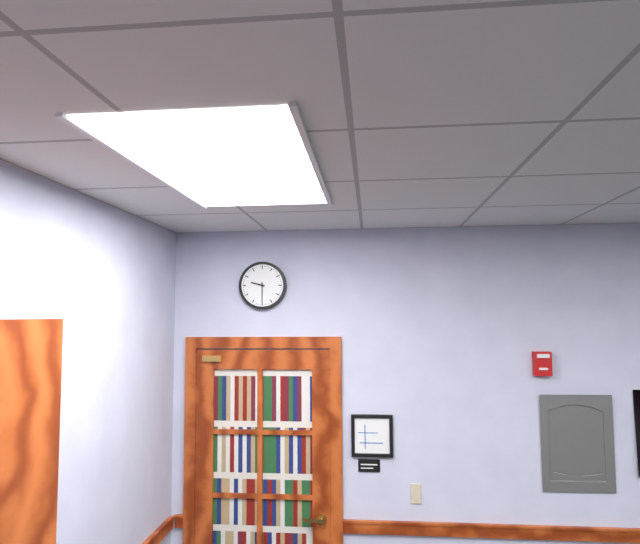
9:30
